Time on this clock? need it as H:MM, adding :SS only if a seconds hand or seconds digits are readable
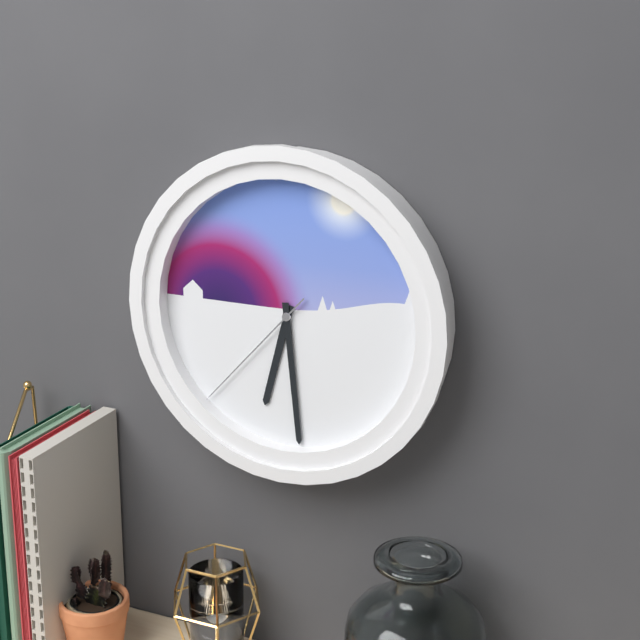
6:29:37
